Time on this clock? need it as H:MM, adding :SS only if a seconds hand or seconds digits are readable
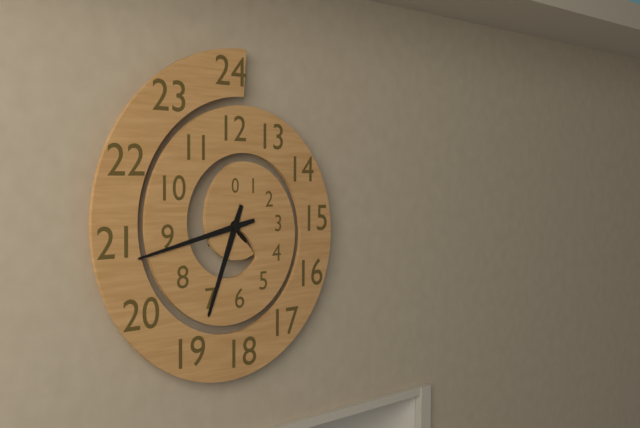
6:43
